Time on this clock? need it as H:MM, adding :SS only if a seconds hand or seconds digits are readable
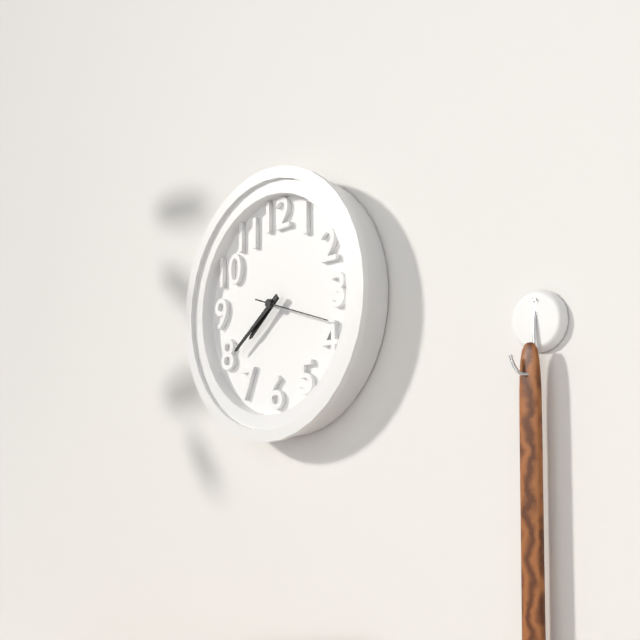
7:39:18
